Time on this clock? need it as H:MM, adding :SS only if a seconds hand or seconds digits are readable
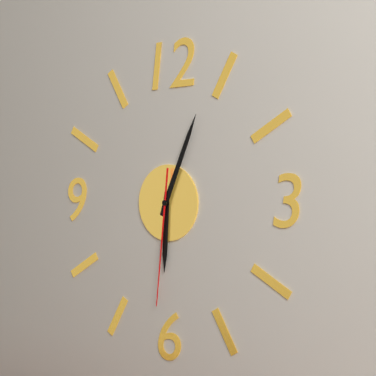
6:04:31
